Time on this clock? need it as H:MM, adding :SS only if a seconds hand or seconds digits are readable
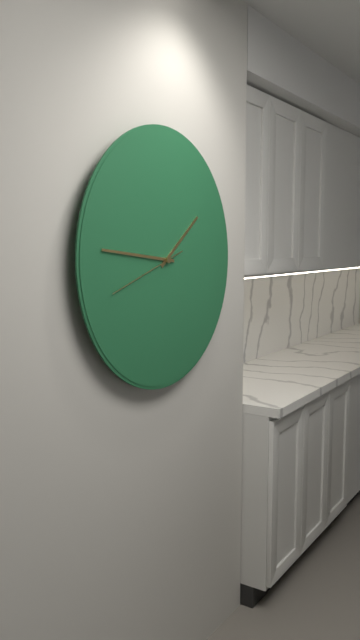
1:46:42
